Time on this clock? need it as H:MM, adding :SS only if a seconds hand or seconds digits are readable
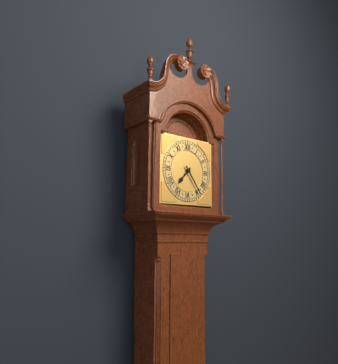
7:24
